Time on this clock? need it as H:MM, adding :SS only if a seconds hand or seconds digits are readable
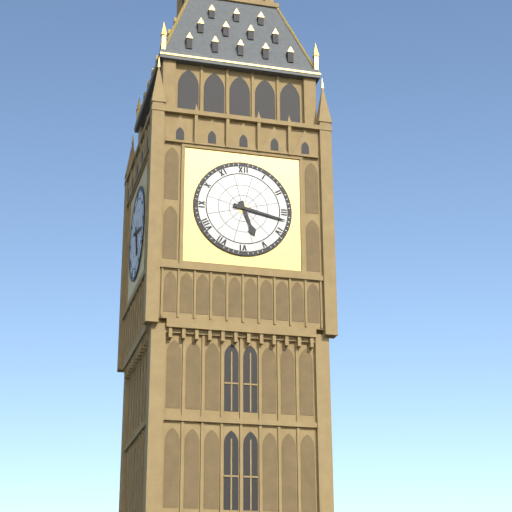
5:17
